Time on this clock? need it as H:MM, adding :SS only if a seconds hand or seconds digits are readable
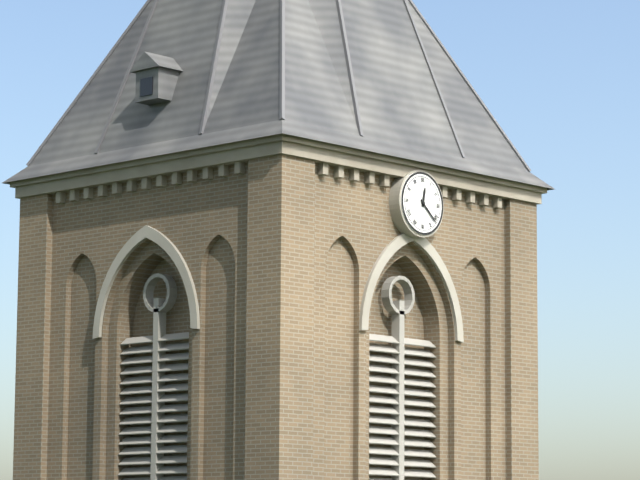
12:22
